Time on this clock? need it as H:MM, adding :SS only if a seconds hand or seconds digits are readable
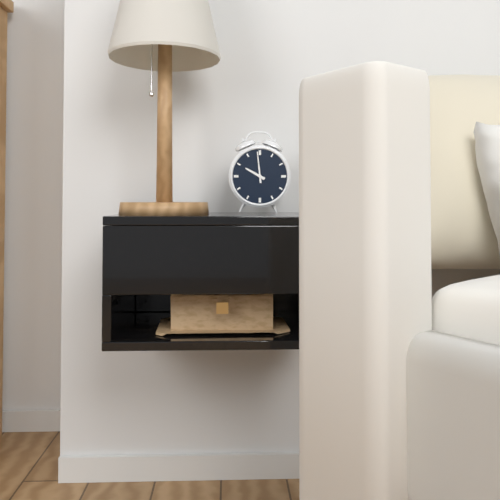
9:59
